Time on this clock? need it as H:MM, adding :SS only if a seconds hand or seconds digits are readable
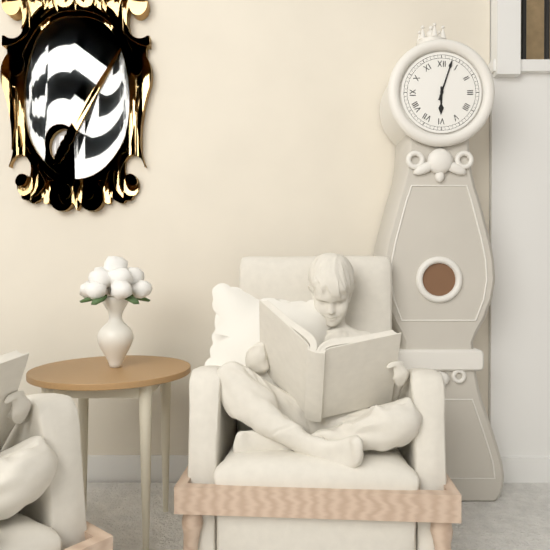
6:03
